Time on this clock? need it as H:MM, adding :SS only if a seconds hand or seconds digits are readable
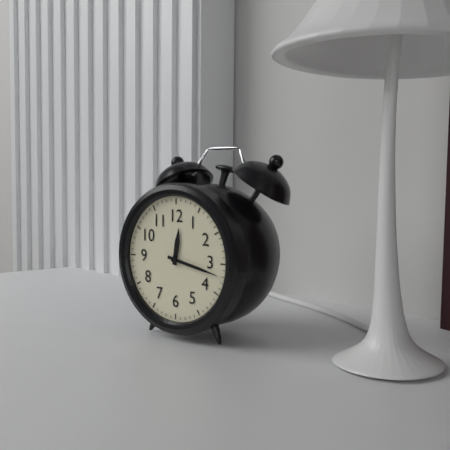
12:17
